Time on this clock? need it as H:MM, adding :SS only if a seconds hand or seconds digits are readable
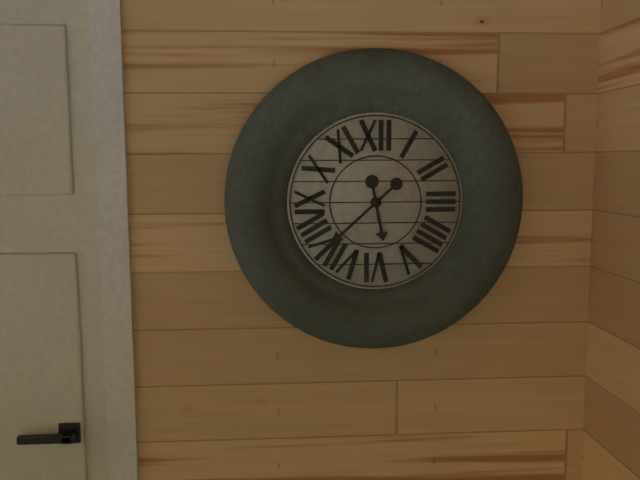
5:38
